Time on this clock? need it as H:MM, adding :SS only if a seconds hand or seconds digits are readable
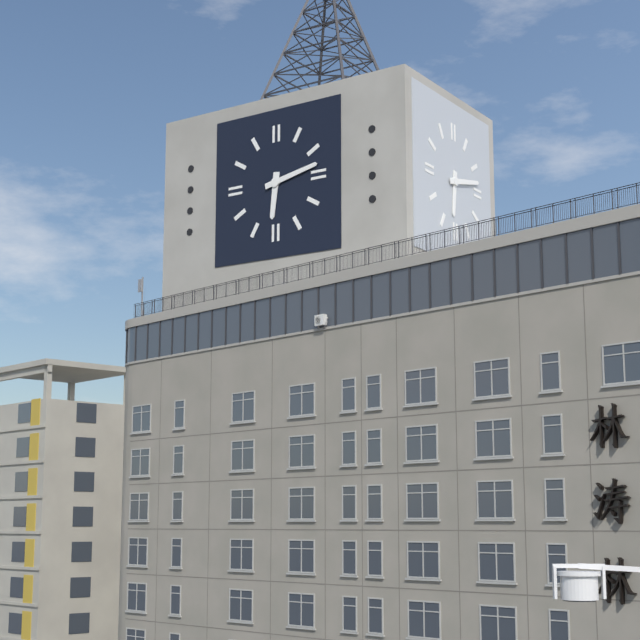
6:13
